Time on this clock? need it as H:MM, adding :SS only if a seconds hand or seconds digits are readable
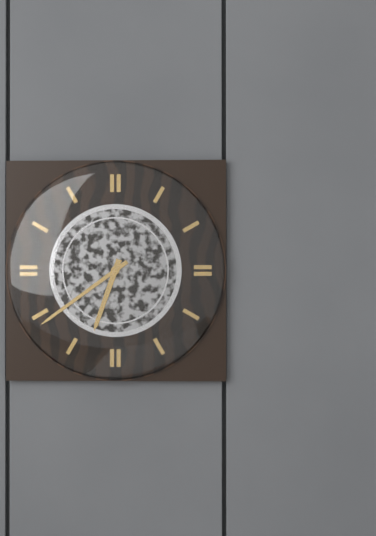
6:39
